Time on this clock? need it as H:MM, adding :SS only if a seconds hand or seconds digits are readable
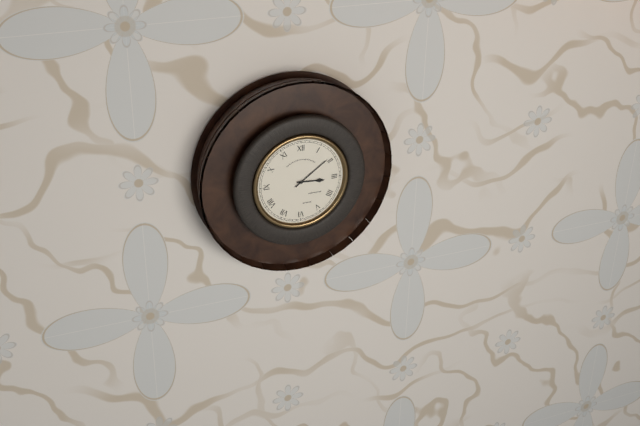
3:09
